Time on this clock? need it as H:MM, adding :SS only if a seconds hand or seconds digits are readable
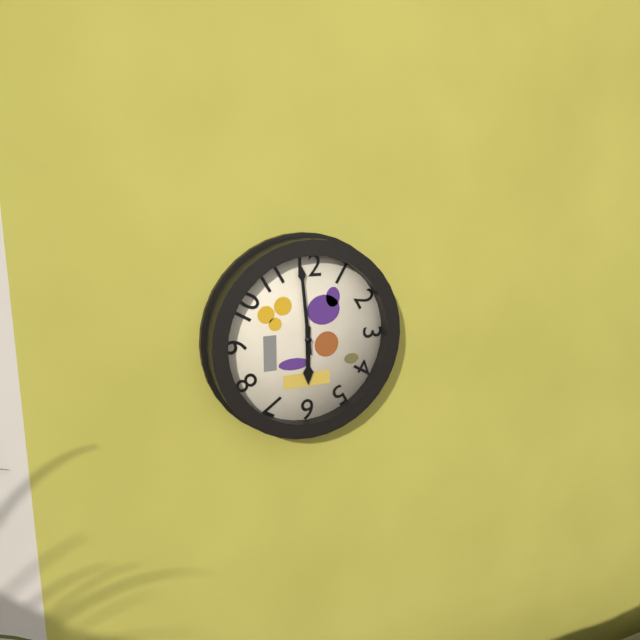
5:59
